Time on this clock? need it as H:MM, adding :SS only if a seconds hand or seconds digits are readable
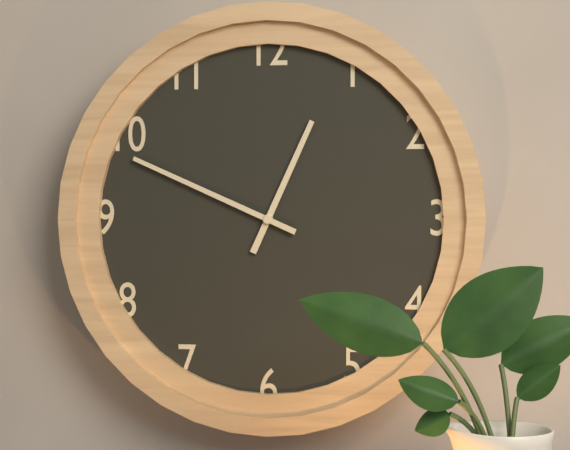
12:49
